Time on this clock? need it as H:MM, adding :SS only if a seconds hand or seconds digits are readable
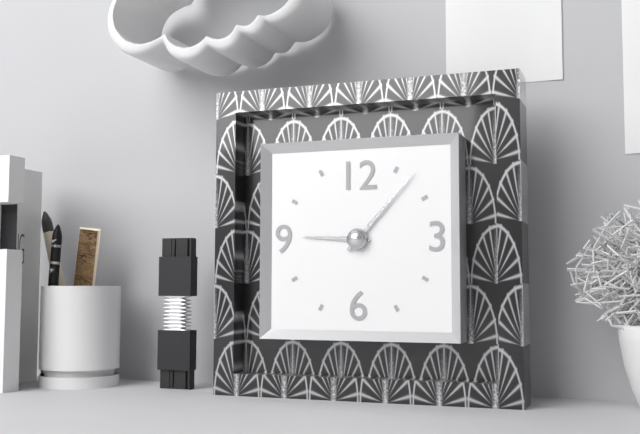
9:07
